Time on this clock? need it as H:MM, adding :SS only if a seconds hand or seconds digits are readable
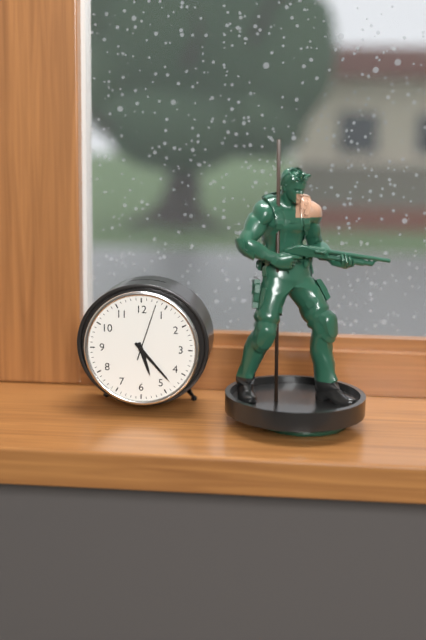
5:23:03
